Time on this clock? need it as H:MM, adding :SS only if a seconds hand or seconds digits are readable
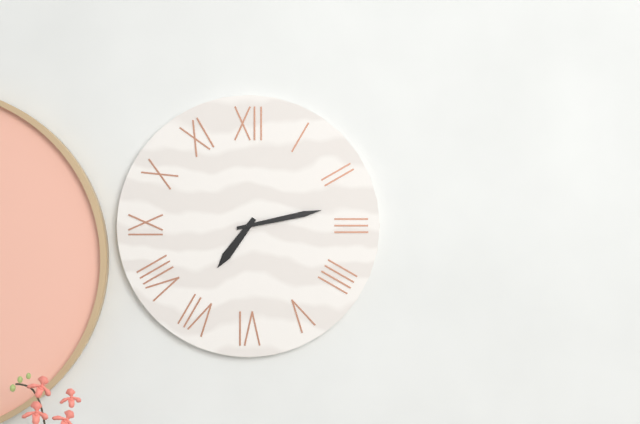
7:13
